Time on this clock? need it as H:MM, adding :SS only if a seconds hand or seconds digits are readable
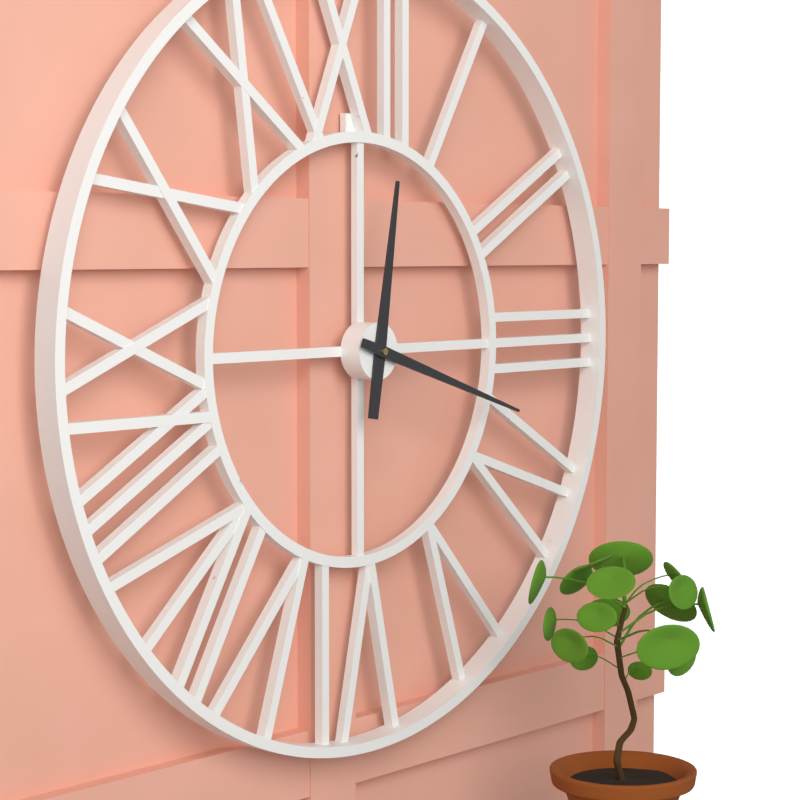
12:18
